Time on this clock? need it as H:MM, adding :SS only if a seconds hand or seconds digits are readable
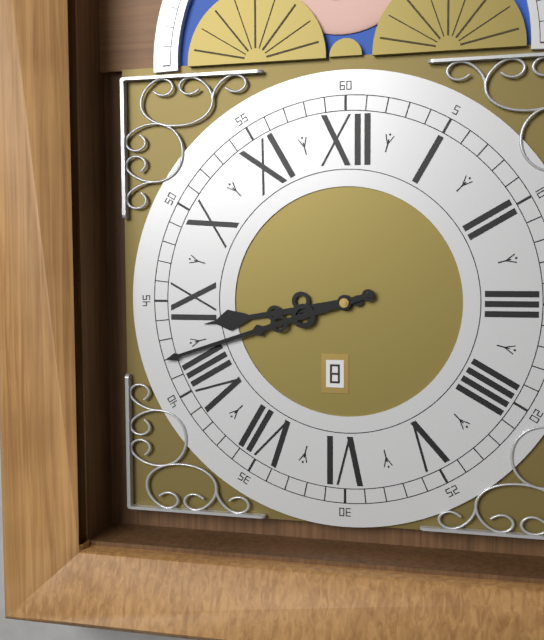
8:42
